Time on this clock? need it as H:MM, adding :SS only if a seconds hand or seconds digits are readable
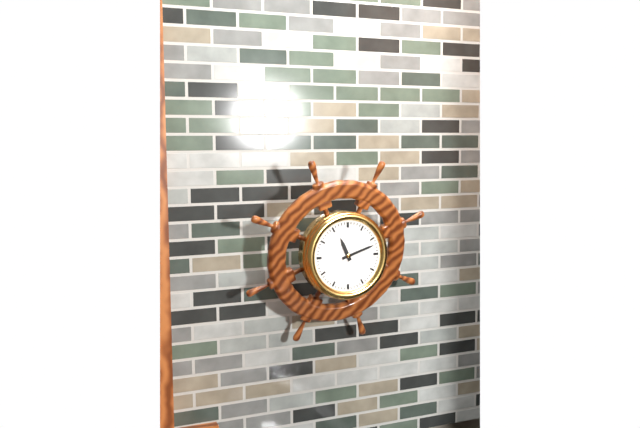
11:12
